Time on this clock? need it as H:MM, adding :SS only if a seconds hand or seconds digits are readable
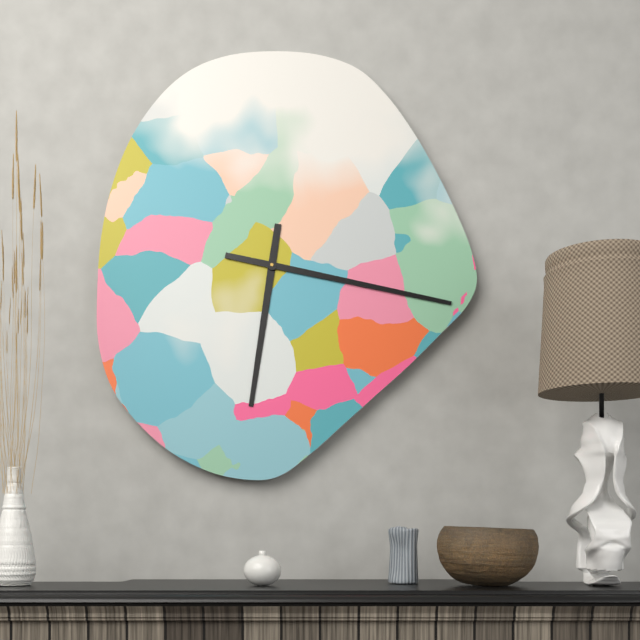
6:17
